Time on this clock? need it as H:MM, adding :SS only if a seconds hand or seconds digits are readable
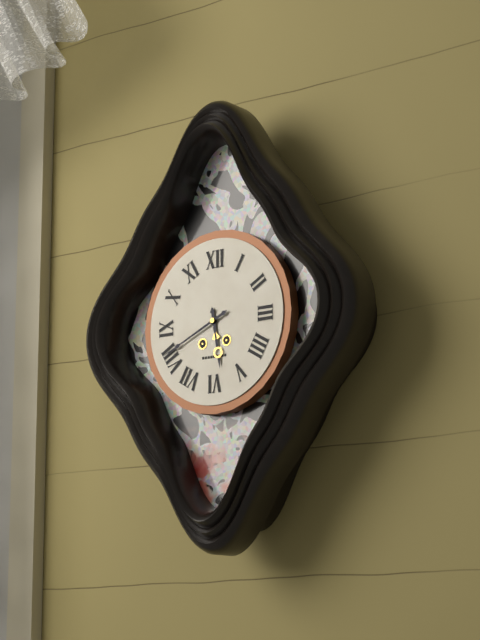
5:41
